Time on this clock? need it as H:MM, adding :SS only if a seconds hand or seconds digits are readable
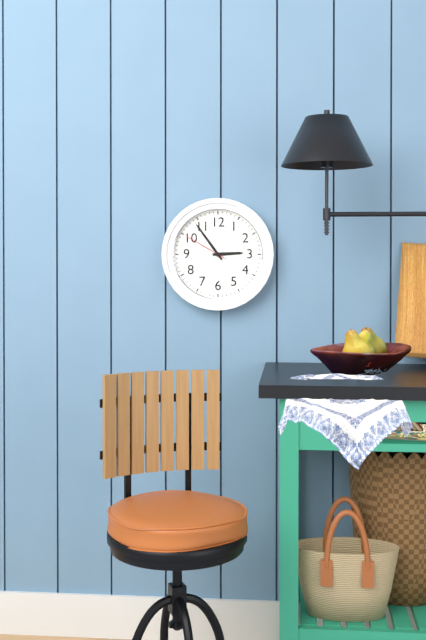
2:54:50
